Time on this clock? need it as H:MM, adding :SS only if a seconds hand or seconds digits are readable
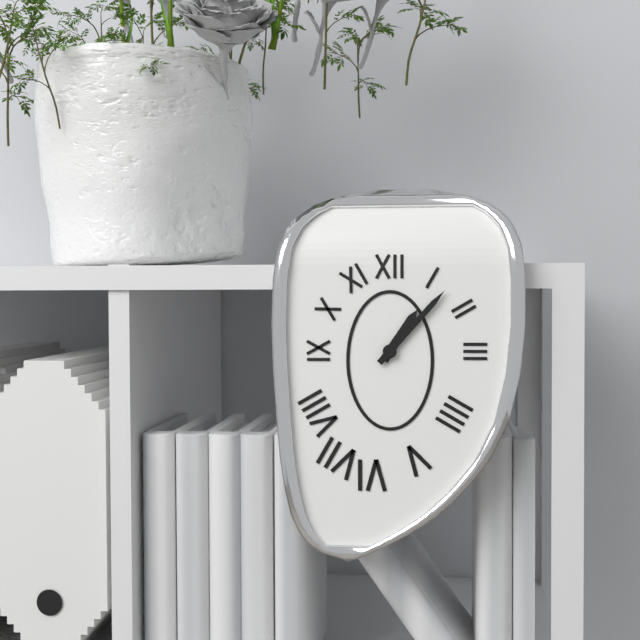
1:07
